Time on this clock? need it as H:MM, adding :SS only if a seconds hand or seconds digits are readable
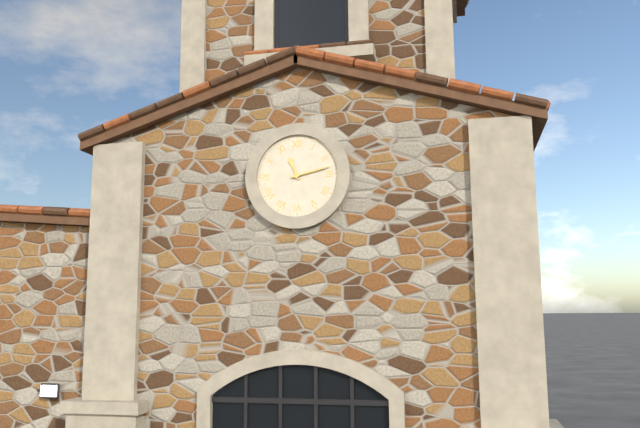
11:13
